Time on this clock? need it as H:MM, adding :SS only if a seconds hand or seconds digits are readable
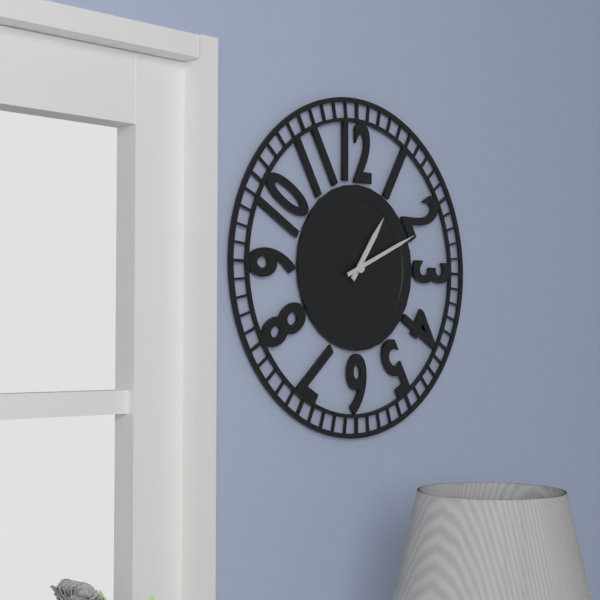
1:11
